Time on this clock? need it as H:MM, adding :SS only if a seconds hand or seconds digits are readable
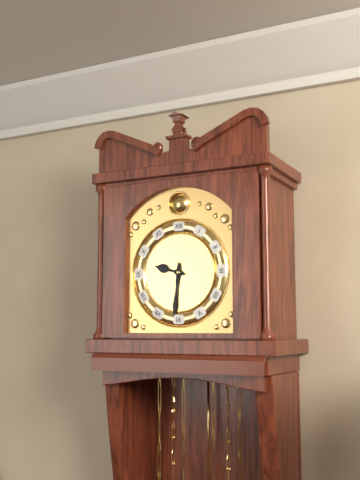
9:31
